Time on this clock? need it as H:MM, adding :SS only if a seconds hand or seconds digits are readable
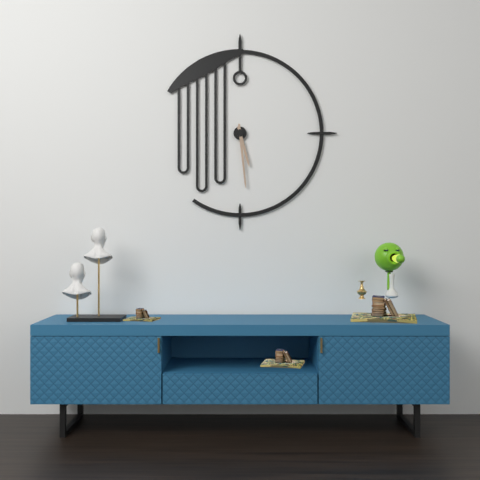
5:29
